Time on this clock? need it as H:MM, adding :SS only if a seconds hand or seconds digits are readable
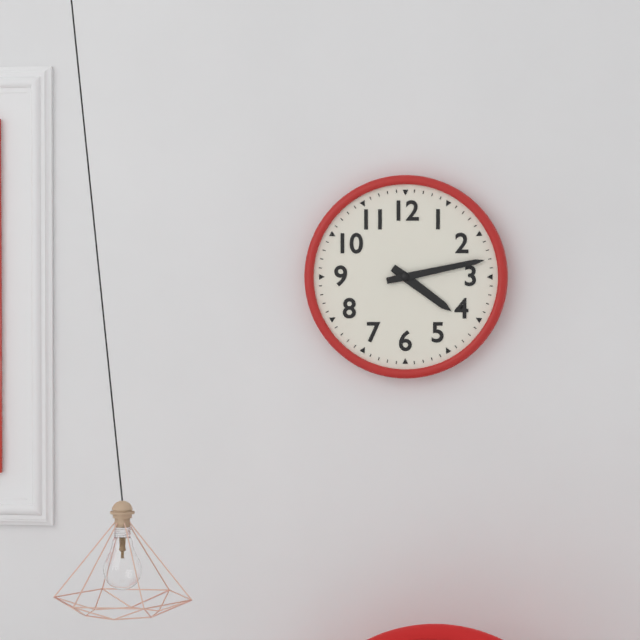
4:13
